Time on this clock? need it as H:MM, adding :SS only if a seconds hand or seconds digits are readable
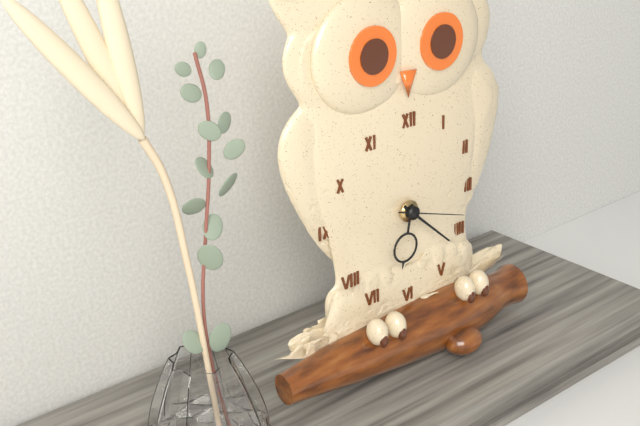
6:22:18
